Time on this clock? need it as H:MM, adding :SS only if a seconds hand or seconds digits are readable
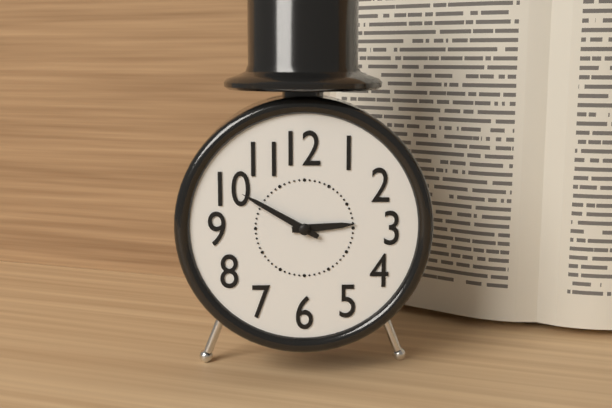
2:50
